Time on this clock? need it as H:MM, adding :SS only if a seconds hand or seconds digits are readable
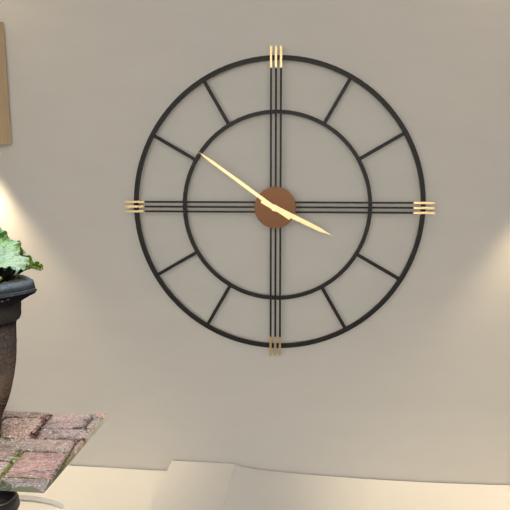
3:51
